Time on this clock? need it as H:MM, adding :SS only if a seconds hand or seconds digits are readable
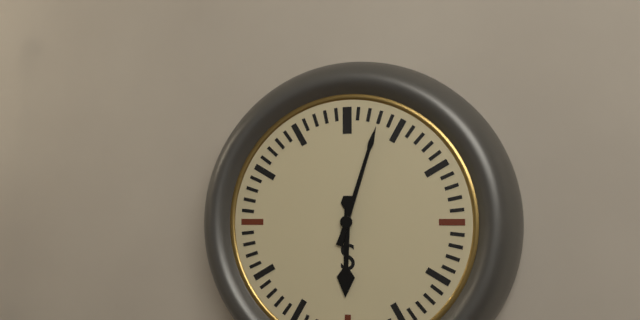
6:03
